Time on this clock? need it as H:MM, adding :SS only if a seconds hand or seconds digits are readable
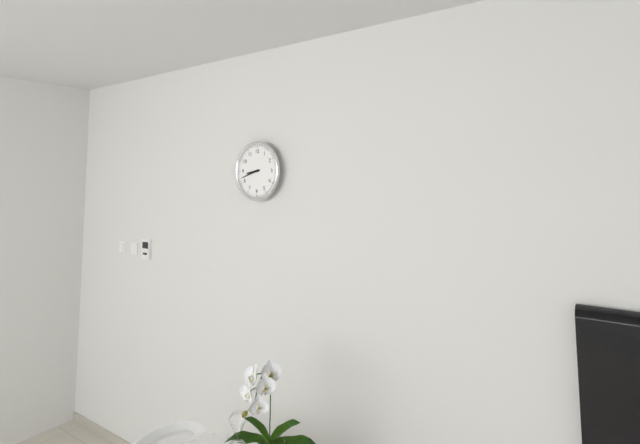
8:42
